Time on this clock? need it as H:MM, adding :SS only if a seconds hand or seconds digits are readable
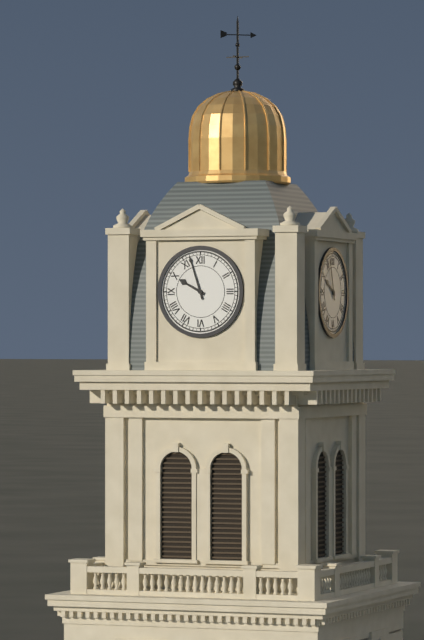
9:57
